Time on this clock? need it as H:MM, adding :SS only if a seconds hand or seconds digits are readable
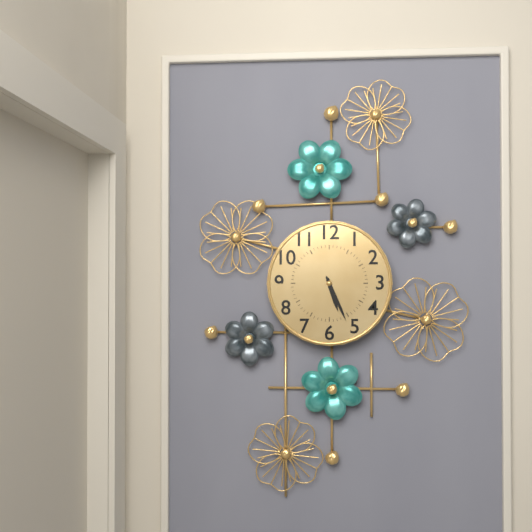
5:26
